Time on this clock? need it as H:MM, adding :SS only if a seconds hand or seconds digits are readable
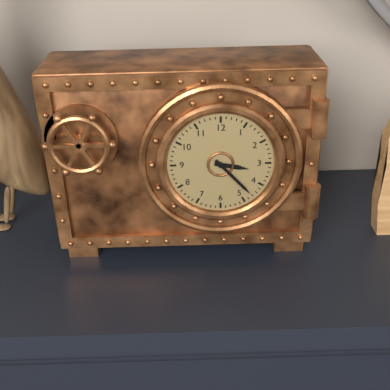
3:23
